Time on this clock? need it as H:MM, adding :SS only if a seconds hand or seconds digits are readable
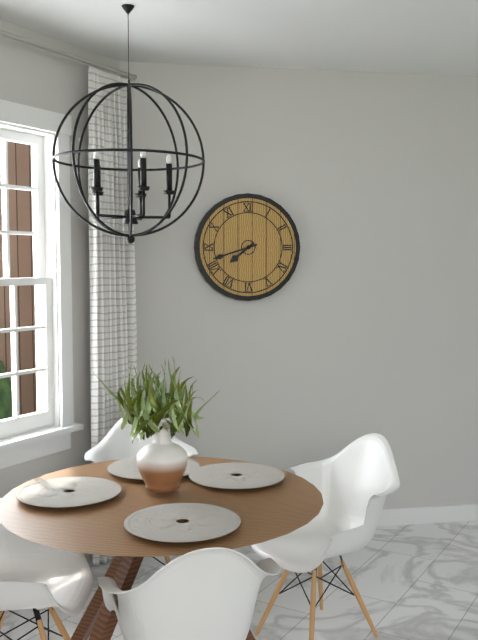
7:42
